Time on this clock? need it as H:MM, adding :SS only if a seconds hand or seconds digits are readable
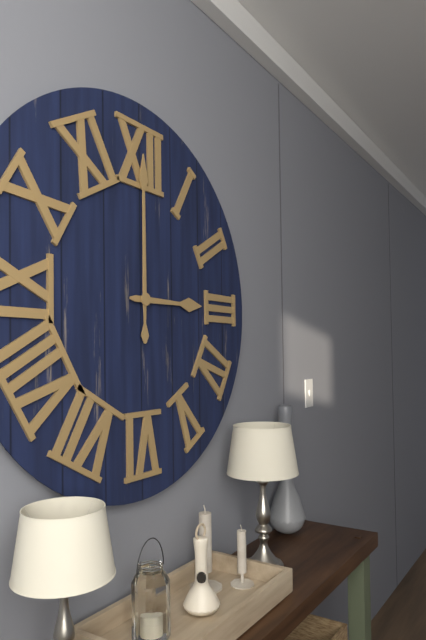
3:00
